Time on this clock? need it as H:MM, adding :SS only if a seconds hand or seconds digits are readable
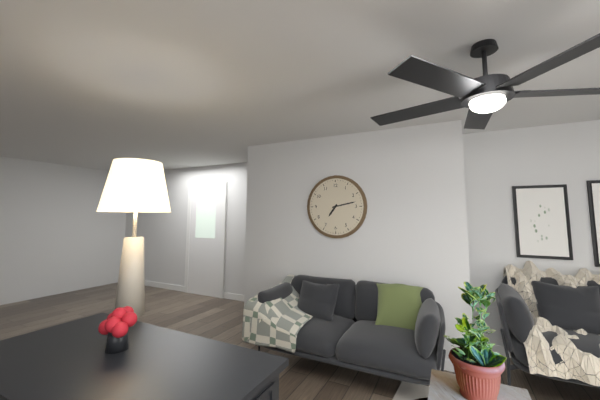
7:13
